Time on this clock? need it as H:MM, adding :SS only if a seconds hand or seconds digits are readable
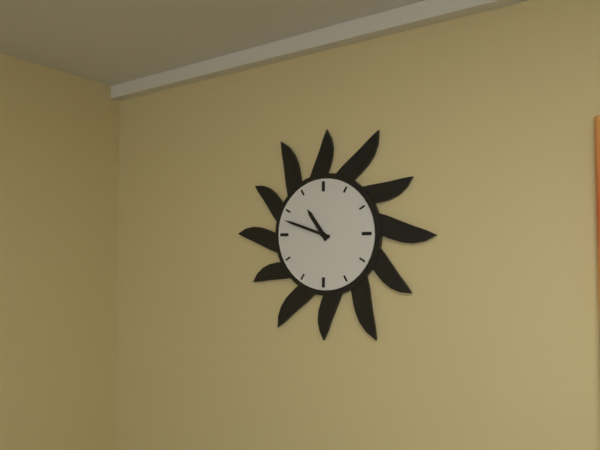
10:48
